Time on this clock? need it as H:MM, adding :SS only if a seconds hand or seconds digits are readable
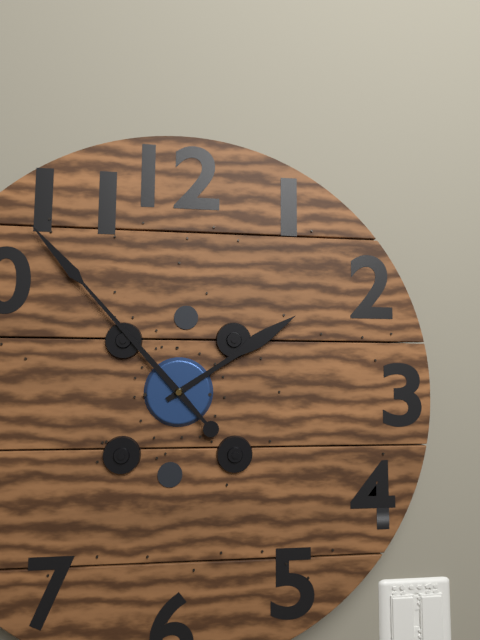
1:53
